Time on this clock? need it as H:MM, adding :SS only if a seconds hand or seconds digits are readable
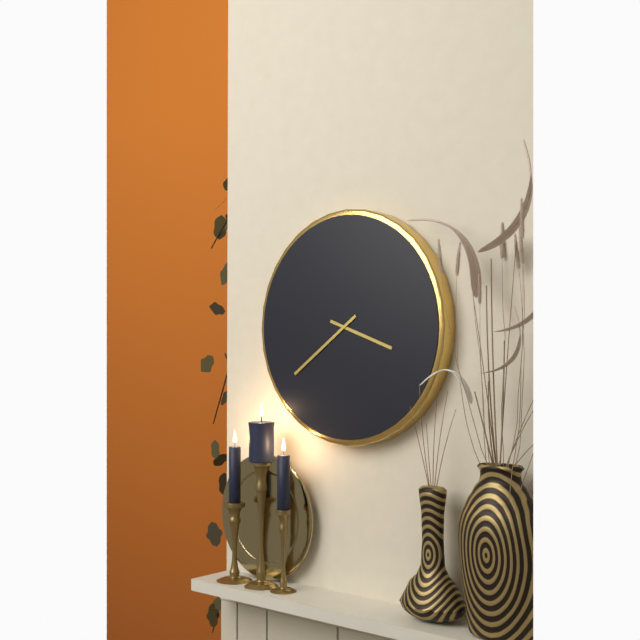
3:39
